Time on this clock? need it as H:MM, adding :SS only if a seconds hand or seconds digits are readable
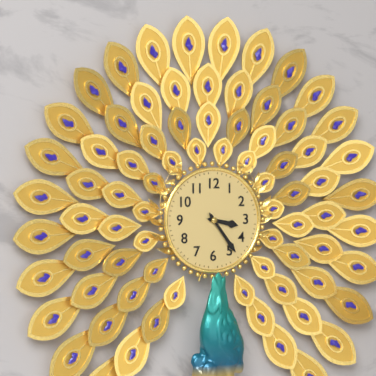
3:24
